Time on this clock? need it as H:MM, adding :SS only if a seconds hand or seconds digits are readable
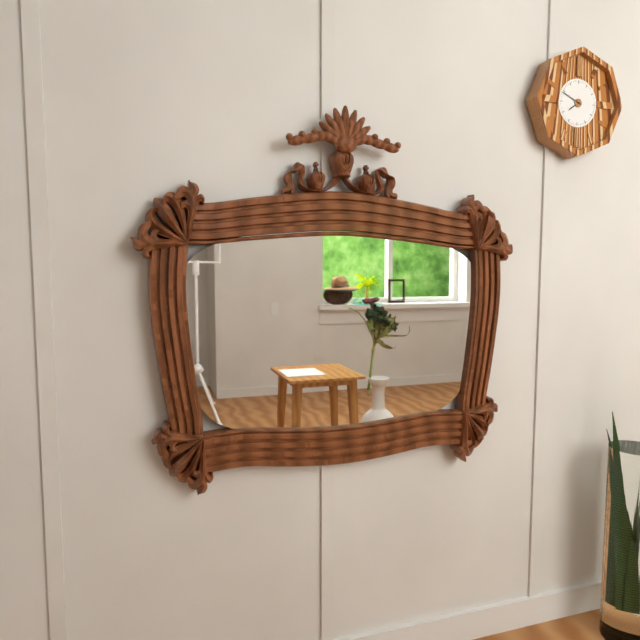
7:49
